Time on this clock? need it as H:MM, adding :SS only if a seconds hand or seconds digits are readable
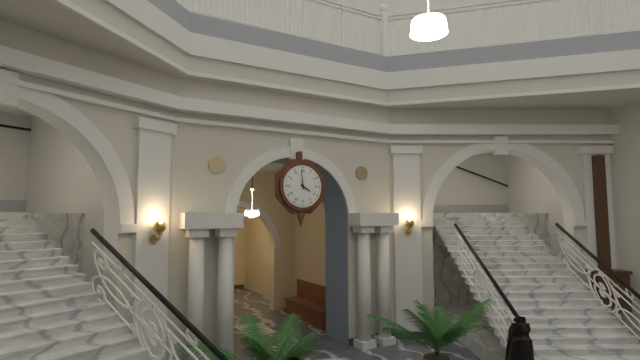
3:59
